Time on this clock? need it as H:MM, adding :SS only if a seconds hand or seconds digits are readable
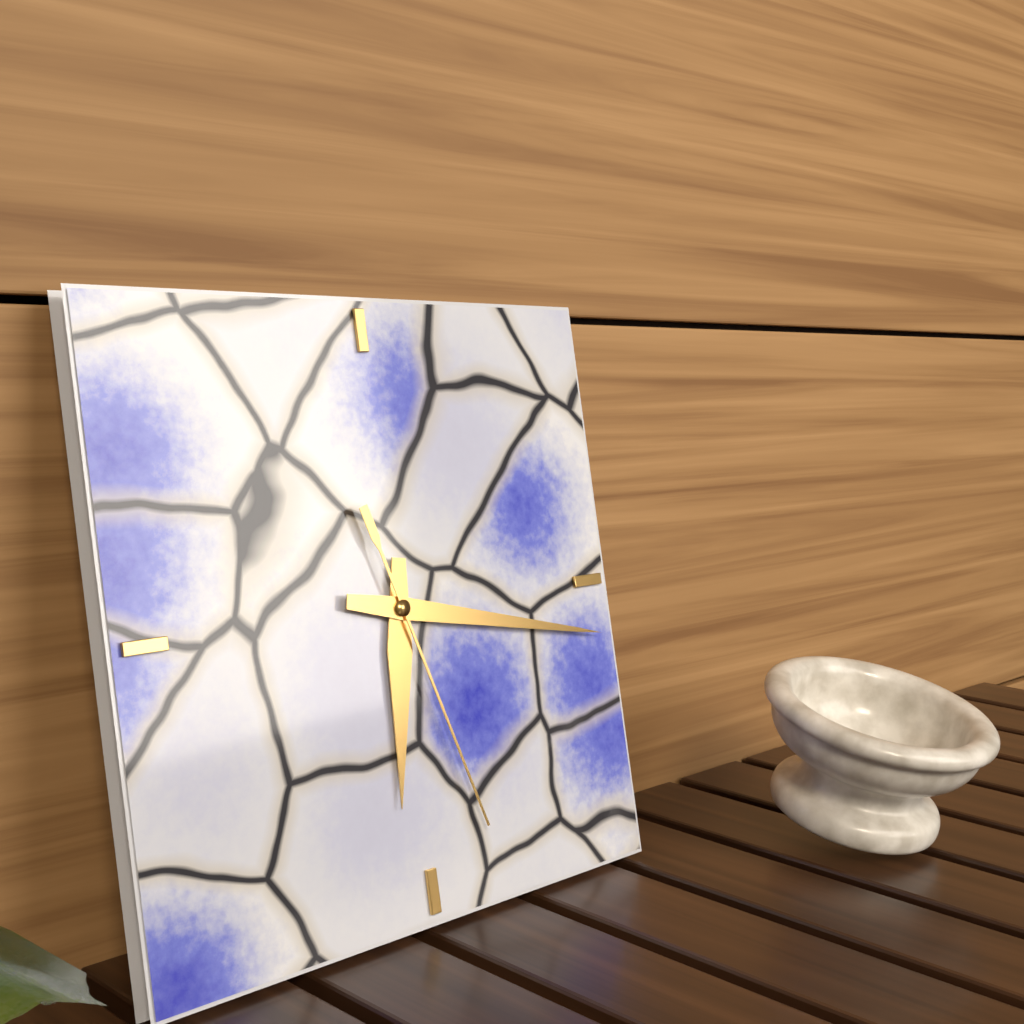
6:17:27
